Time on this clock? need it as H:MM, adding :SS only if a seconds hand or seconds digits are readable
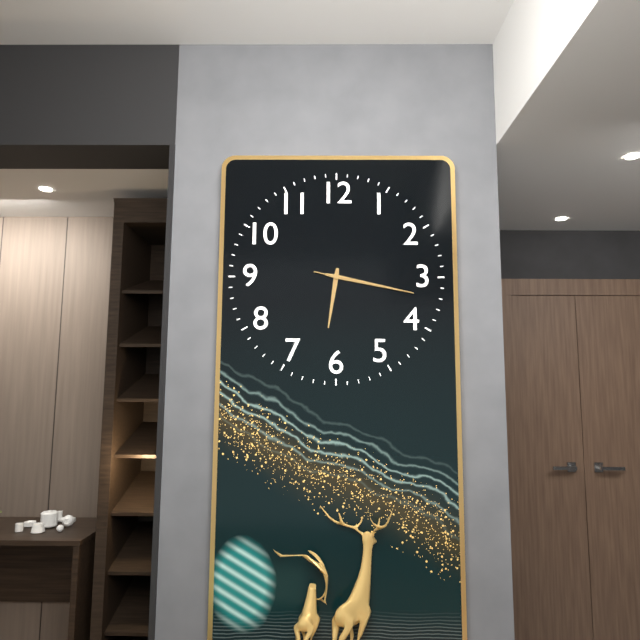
6:17:17
